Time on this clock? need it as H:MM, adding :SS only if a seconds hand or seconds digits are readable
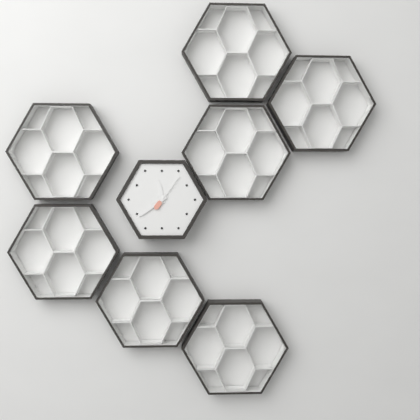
11:39
